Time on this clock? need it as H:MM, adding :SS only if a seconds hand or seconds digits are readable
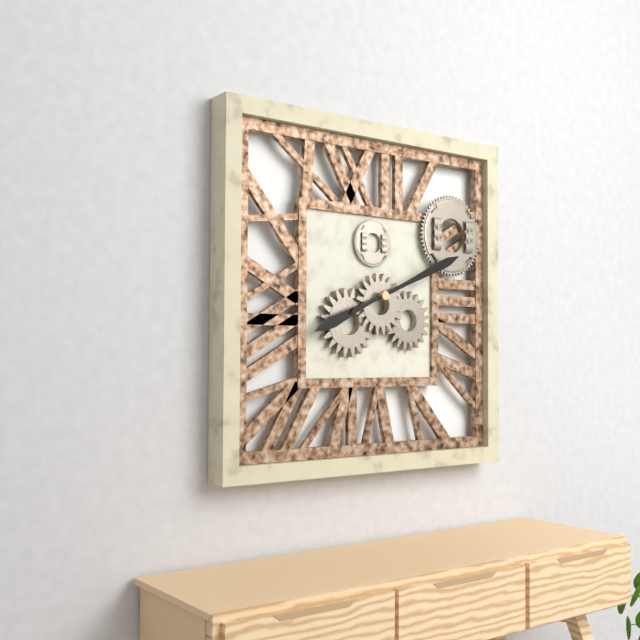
8:11
